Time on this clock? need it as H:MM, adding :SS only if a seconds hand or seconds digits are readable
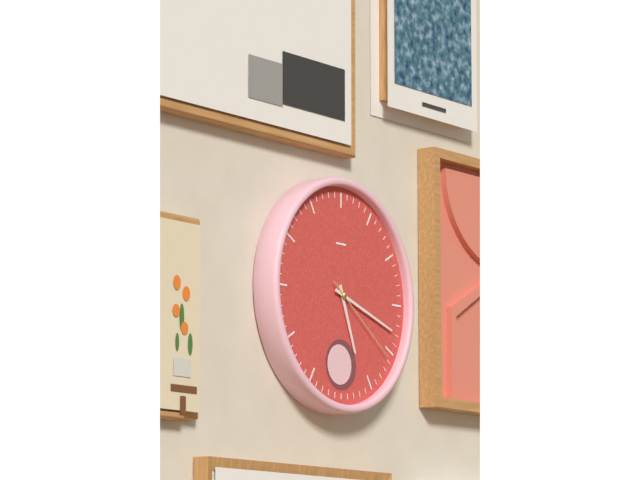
5:18:21
